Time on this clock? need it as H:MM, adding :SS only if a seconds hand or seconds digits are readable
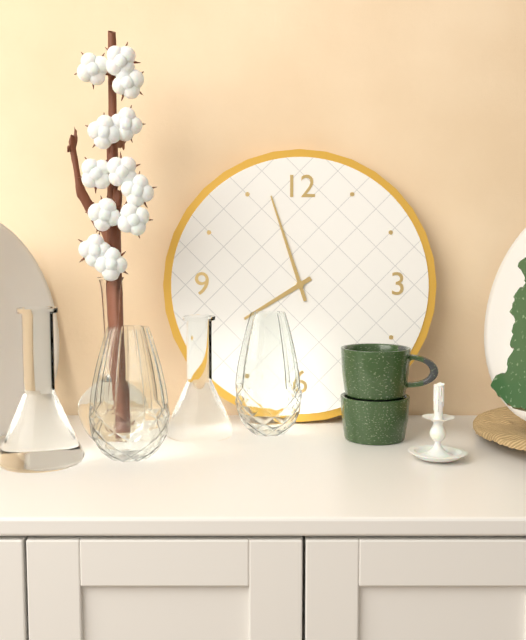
7:57
